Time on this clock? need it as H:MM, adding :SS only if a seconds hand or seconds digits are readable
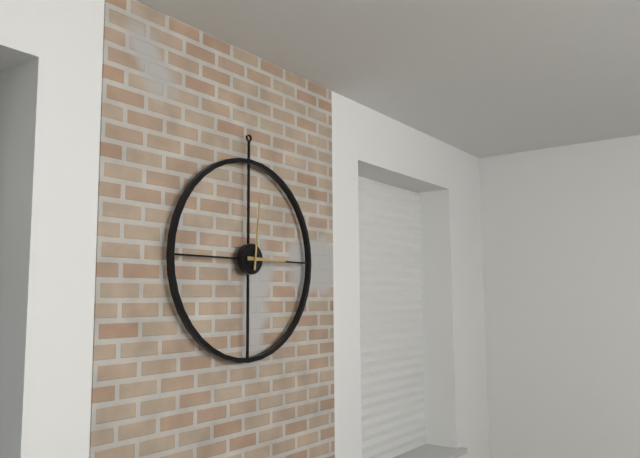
3:01
